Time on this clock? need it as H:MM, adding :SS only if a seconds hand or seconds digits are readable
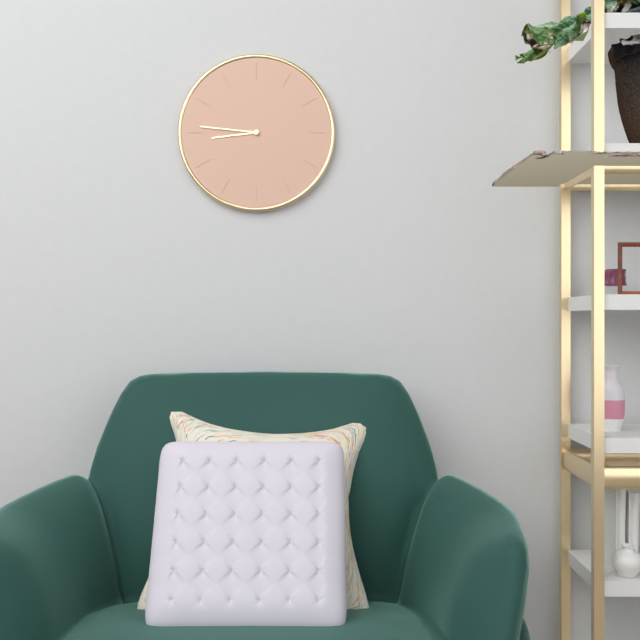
8:46
